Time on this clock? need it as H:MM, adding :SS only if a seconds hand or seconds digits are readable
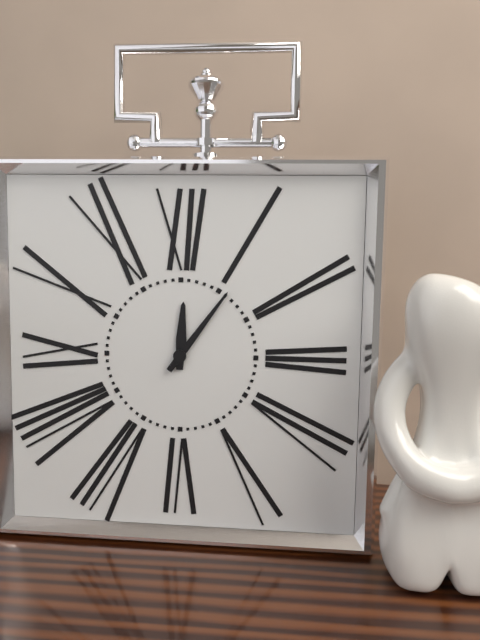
12:06
